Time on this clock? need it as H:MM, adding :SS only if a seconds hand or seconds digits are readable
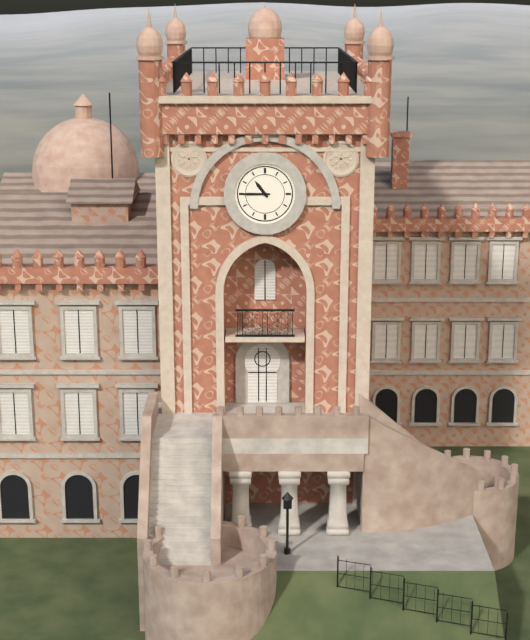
10:45
